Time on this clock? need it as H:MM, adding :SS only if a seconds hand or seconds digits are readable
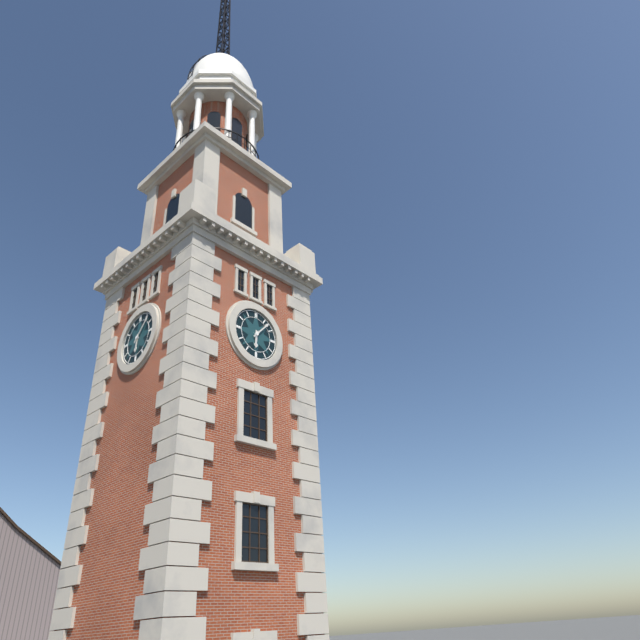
6:07
